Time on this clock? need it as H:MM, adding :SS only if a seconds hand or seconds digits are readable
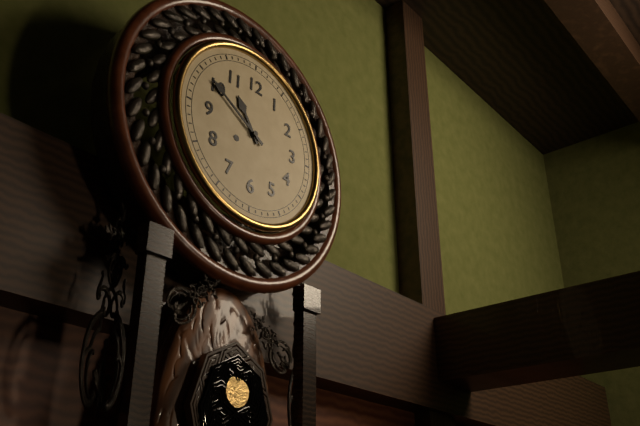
10:50
